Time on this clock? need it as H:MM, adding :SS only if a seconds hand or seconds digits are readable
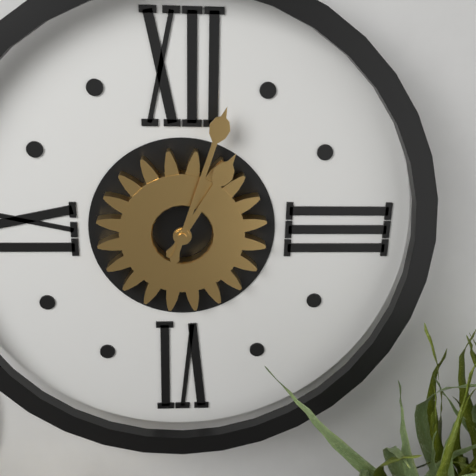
1:03
